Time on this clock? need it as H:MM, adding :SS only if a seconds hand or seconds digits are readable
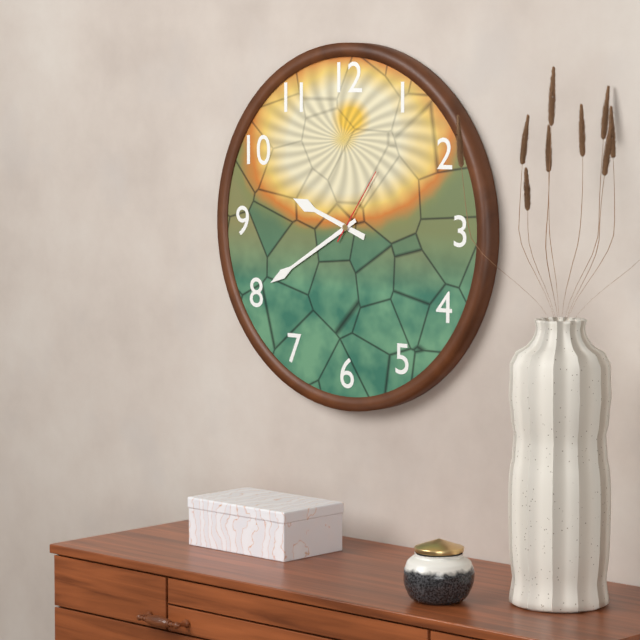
9:40:06
